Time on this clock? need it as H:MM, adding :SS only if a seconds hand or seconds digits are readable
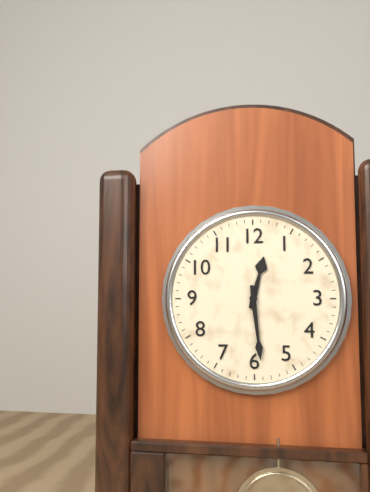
12:29
